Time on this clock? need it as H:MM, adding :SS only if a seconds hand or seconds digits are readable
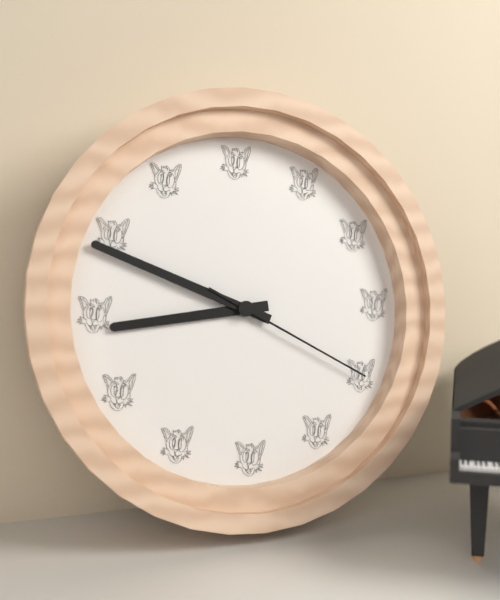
8:49:20
